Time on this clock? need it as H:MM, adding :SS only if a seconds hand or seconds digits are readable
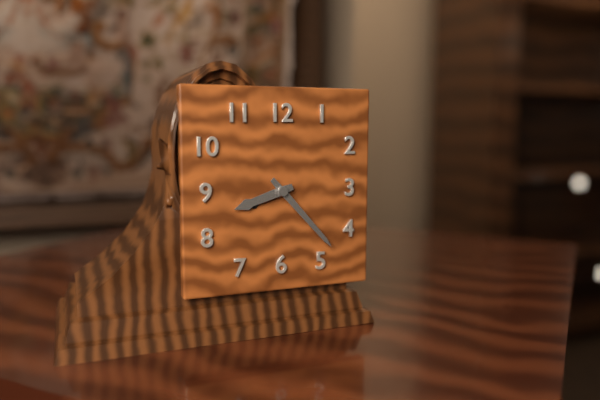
8:23
